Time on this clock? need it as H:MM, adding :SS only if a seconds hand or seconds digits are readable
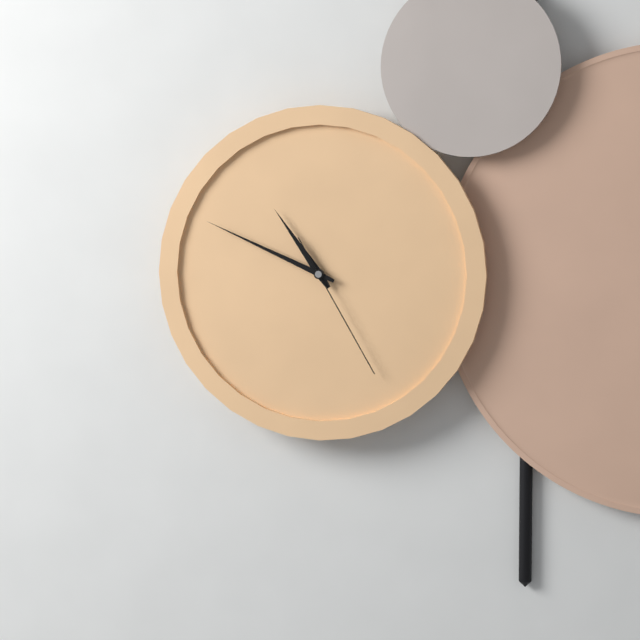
10:49:25
